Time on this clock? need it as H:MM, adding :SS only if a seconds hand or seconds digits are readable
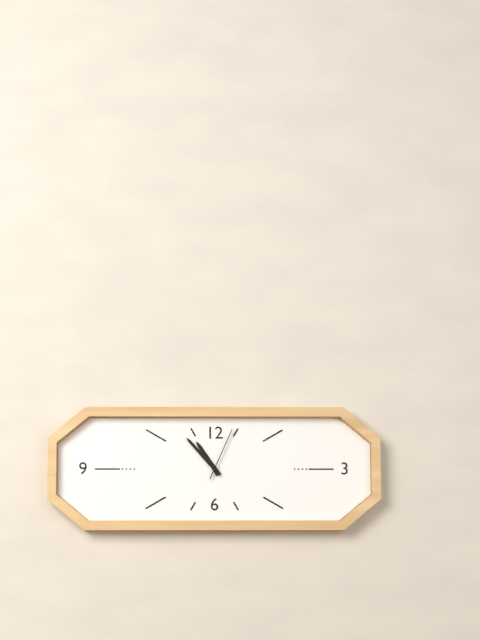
10:53:04
